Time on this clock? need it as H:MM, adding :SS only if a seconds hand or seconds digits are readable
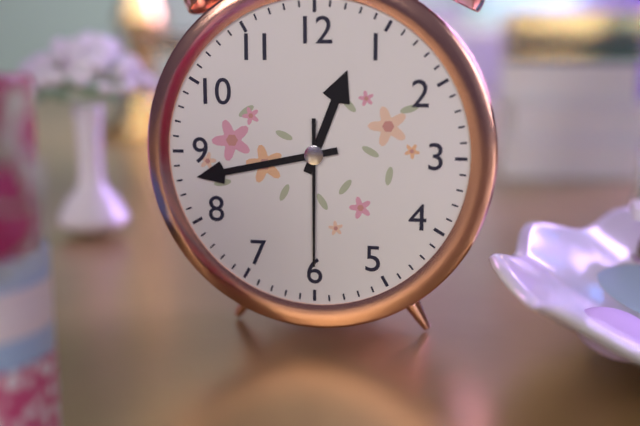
12:43:30
